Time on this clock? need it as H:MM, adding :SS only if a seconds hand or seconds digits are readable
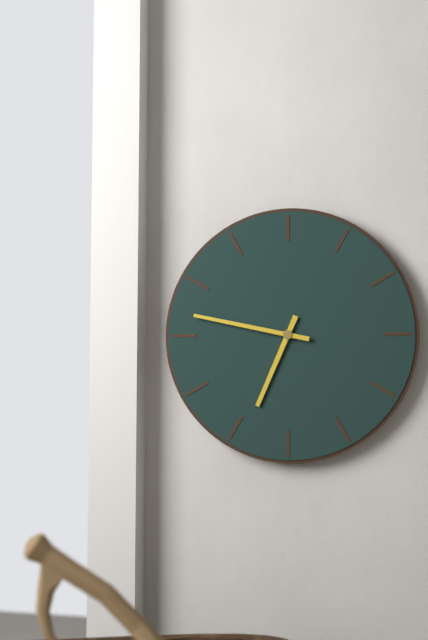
6:47
